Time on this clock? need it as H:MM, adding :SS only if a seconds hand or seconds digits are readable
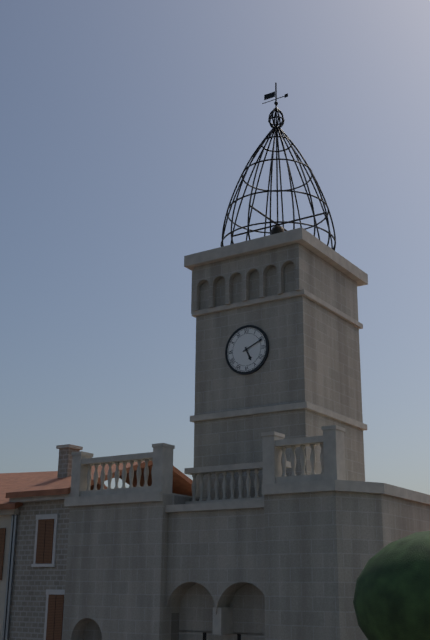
5:11
